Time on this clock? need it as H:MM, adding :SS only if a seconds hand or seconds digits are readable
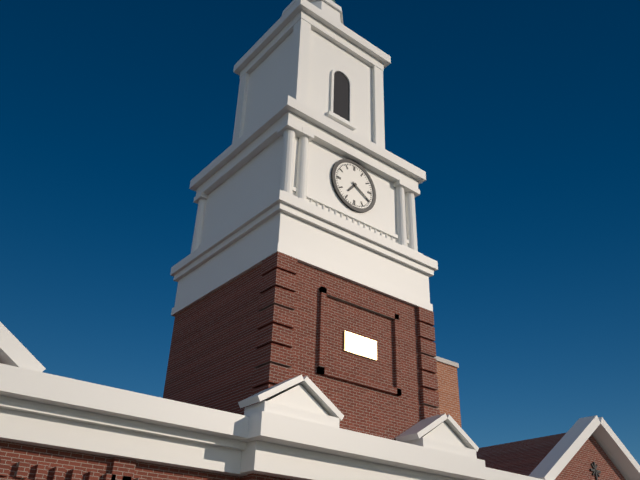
7:20
